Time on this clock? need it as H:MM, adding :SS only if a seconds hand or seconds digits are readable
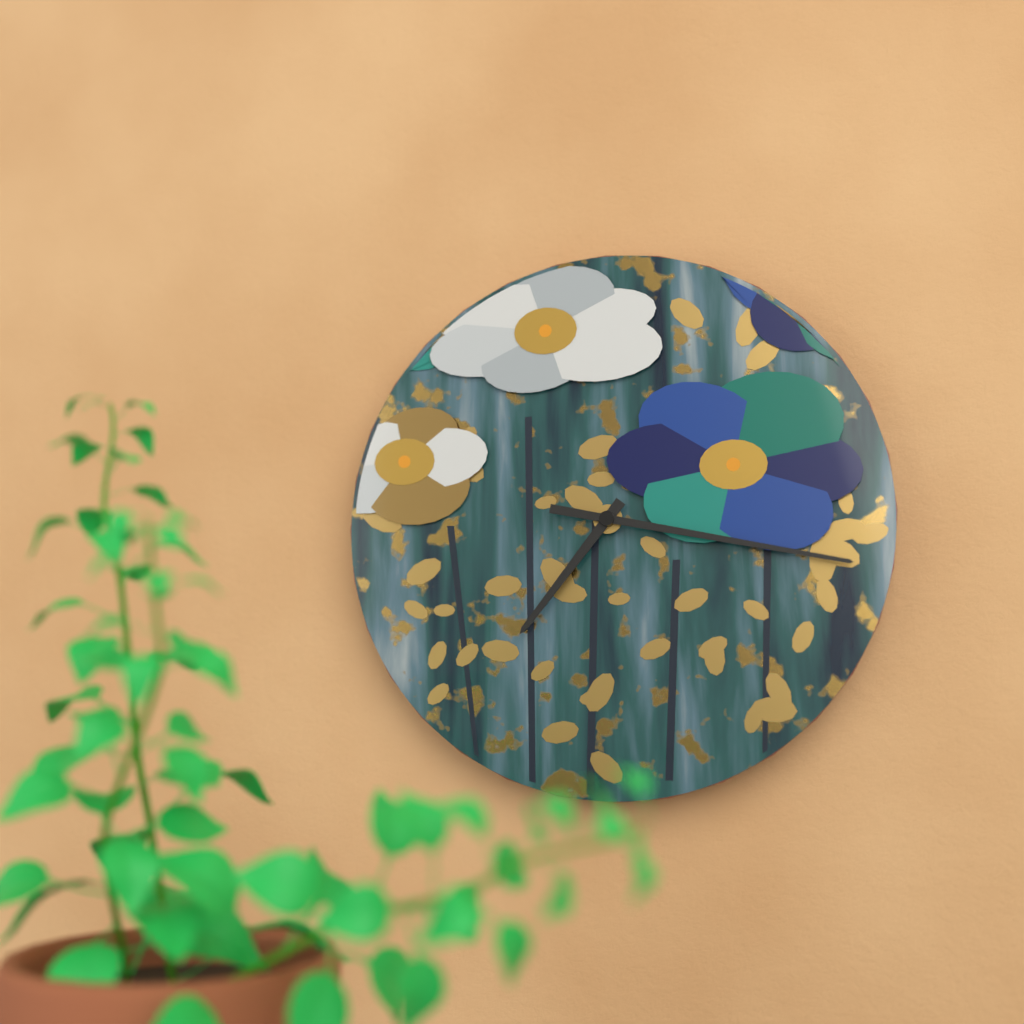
7:17
